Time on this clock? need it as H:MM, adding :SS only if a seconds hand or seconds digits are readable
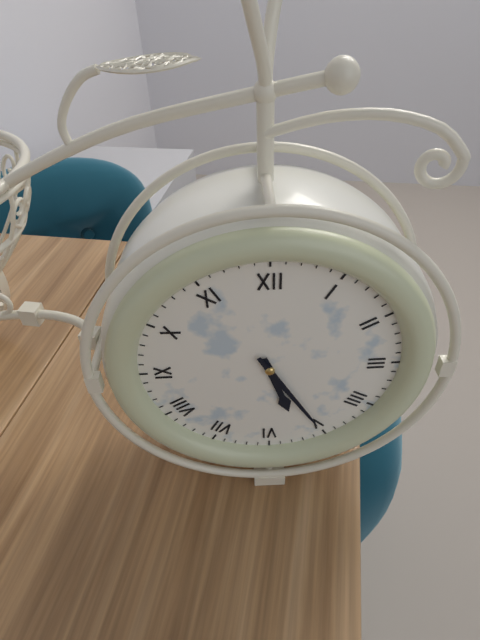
5:25
